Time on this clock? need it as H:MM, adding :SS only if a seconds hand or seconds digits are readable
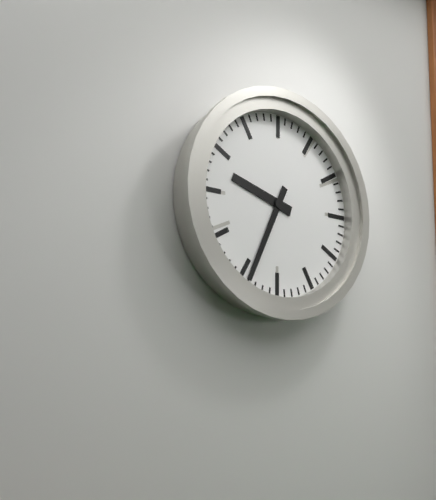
9:34
